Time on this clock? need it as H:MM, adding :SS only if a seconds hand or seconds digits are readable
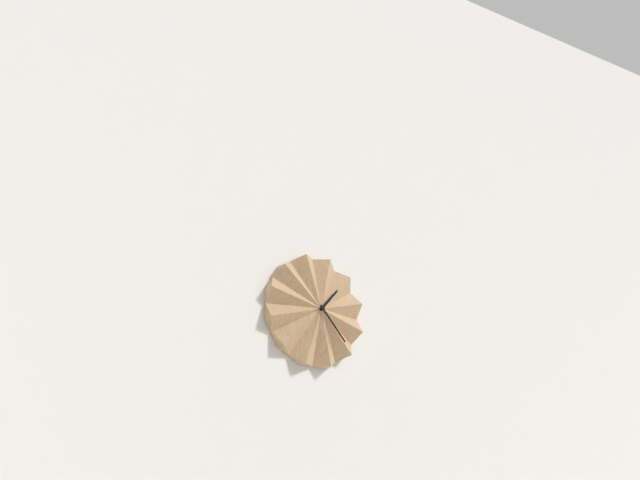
1:23
